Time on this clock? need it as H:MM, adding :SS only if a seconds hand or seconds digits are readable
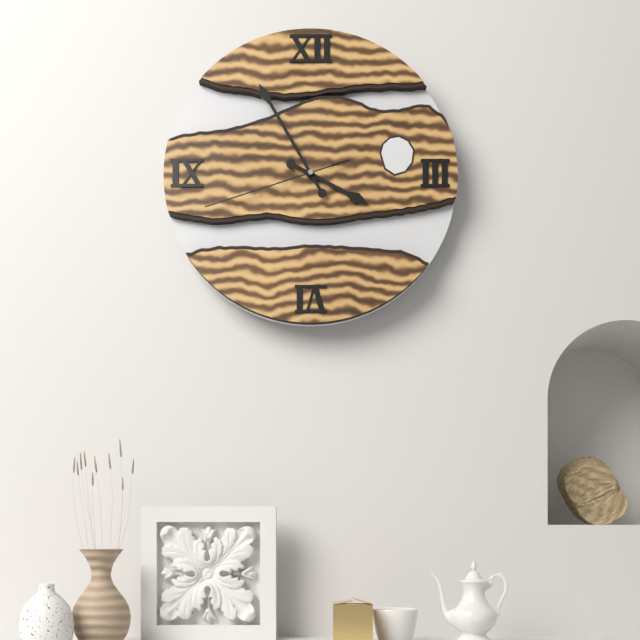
3:55:42
